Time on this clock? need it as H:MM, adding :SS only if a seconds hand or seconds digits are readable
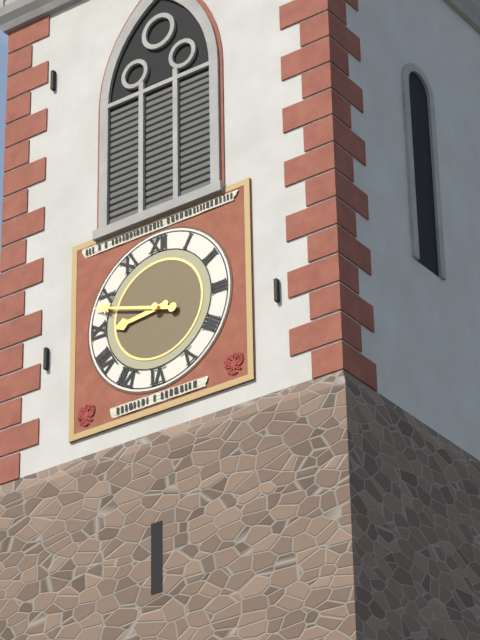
8:48
